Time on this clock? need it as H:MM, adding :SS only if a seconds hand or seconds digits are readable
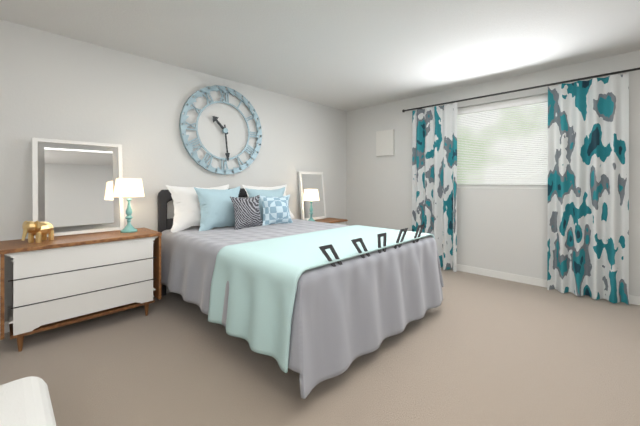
10:29
